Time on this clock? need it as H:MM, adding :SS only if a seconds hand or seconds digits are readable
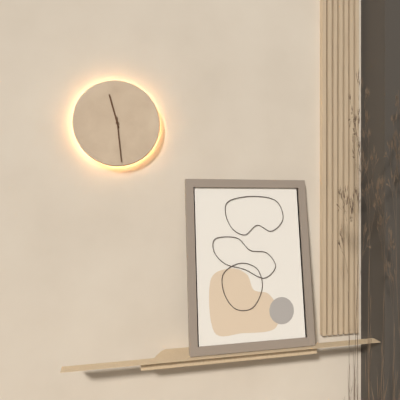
11:29
